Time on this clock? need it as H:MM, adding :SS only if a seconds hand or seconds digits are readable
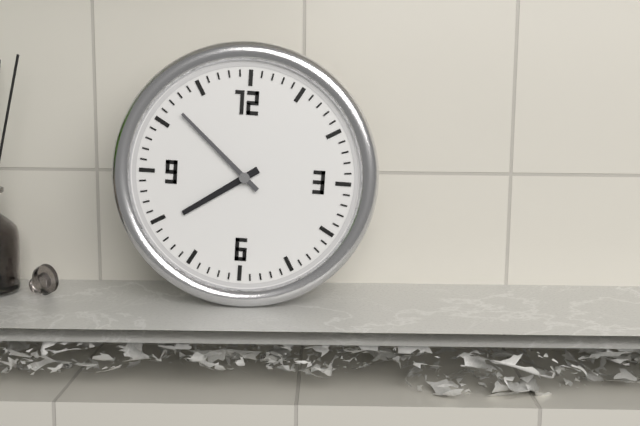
7:52
